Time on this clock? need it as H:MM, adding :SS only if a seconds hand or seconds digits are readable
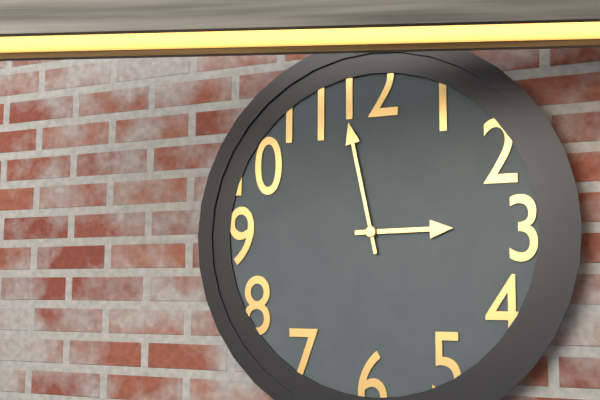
2:58
